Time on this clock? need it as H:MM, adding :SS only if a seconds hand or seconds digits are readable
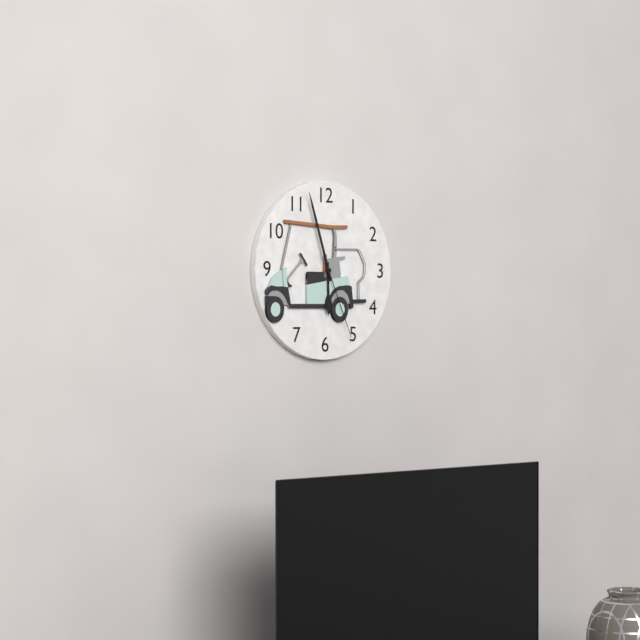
5:57:26
